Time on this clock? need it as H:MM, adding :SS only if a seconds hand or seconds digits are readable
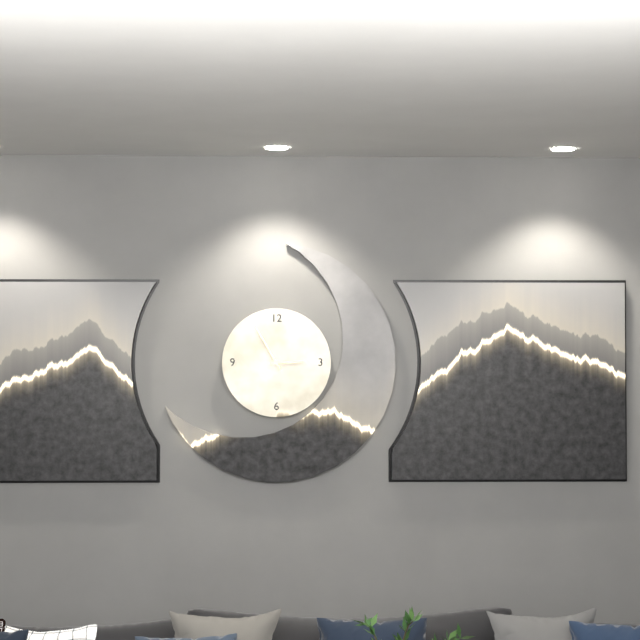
2:55
